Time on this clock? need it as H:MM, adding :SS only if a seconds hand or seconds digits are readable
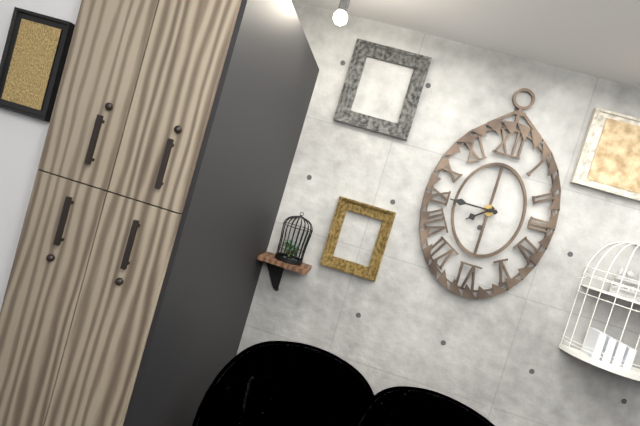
7:45
